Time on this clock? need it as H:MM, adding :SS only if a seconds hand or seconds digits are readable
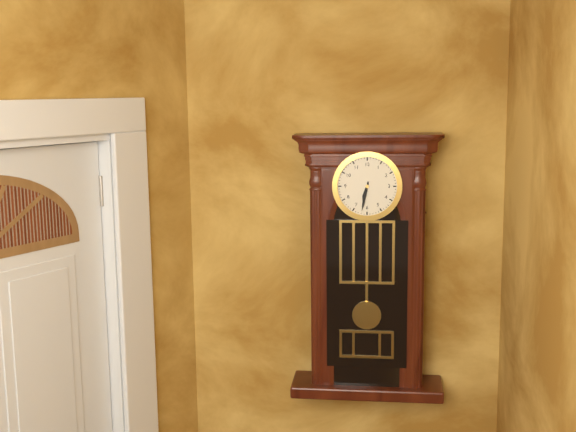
6:32
